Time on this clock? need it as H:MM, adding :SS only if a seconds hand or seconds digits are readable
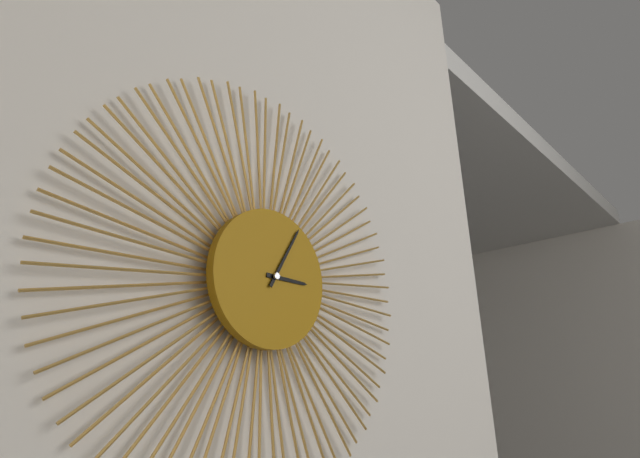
3:05
